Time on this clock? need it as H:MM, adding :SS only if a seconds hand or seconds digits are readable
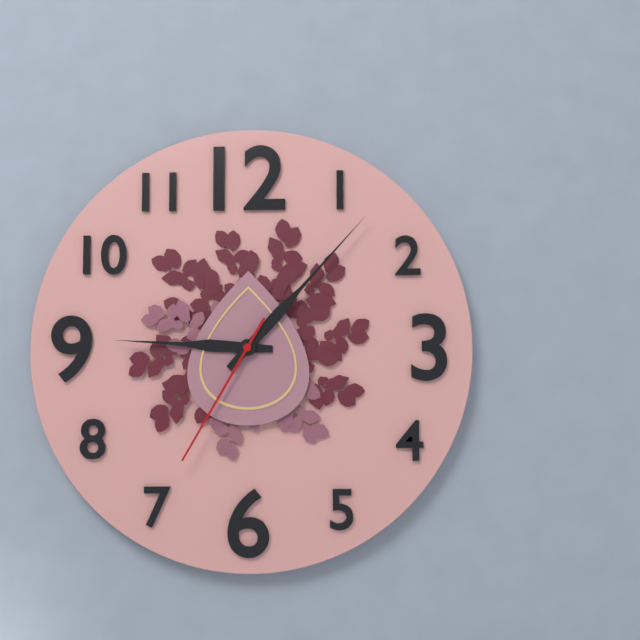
9:07:35
